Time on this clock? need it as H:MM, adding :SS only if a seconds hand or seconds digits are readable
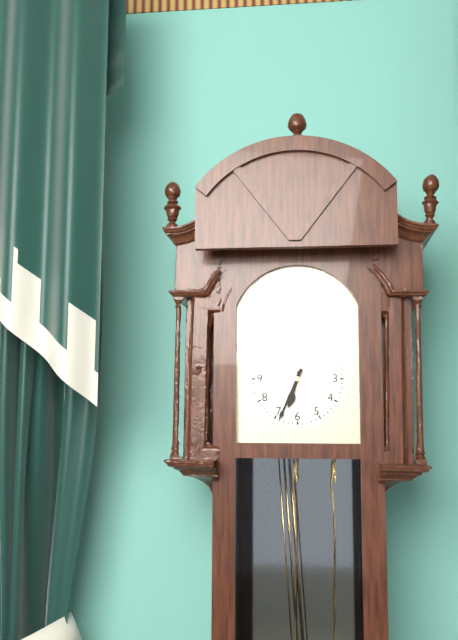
6:34
